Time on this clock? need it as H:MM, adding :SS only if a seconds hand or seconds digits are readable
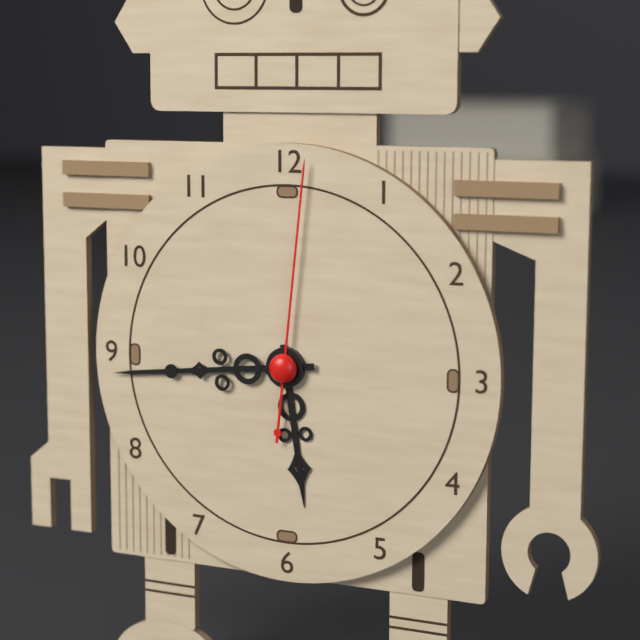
5:44:01
